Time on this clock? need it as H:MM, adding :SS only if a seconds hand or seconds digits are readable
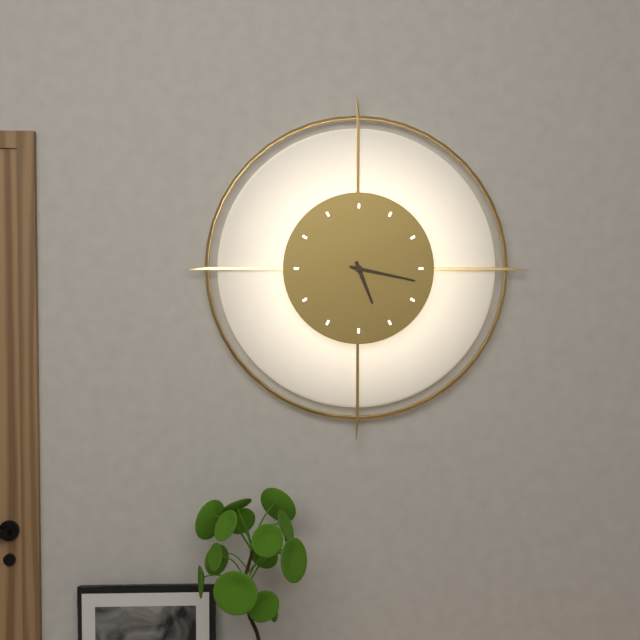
5:17
